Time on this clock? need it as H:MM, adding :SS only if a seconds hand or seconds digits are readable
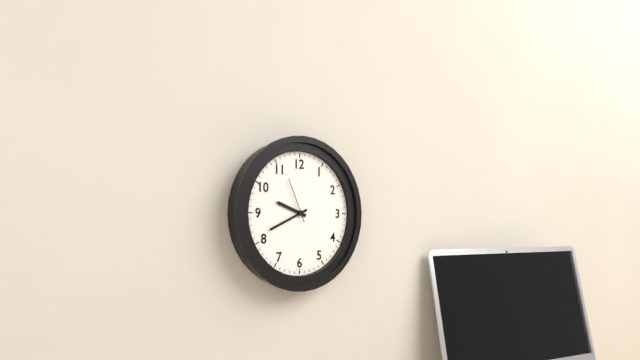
9:41
